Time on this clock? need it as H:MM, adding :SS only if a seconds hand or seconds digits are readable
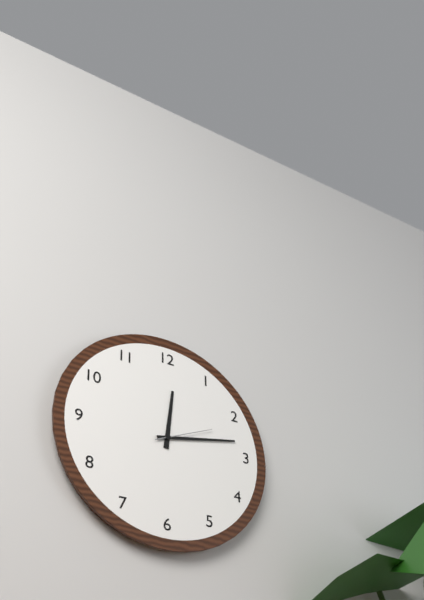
12:13:11
